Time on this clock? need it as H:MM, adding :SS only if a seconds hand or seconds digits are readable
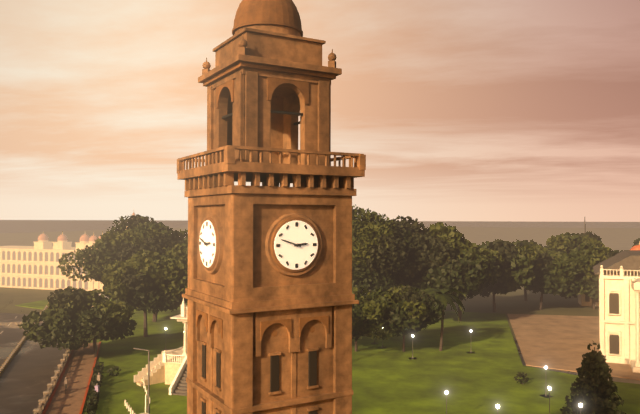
2:48
